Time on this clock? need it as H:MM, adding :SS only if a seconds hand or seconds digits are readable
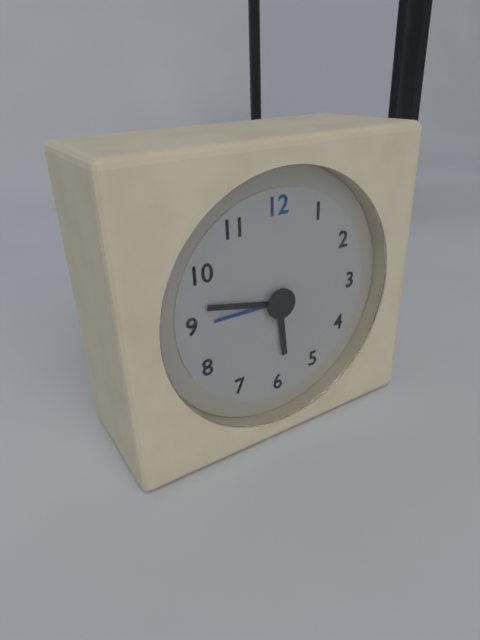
5:47
